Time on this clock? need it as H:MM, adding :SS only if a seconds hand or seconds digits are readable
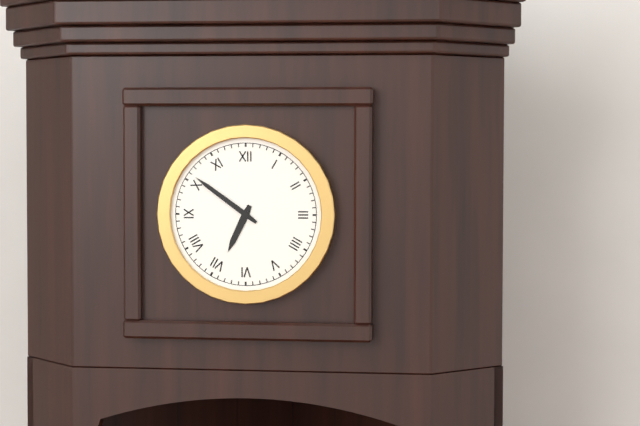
6:51
